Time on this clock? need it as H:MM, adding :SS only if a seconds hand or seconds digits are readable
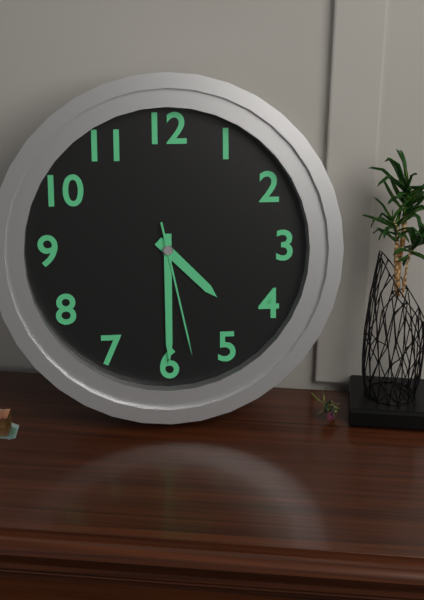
4:30:28
